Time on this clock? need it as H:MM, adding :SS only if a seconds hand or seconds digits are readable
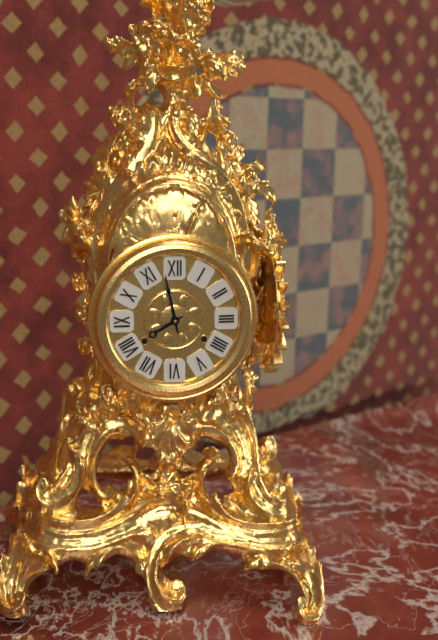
7:58
